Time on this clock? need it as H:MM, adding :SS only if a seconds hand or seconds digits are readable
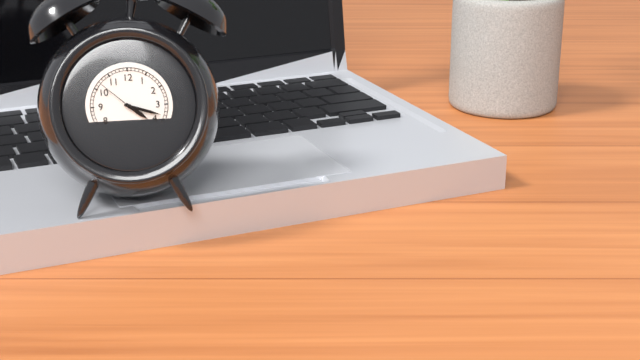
4:18
